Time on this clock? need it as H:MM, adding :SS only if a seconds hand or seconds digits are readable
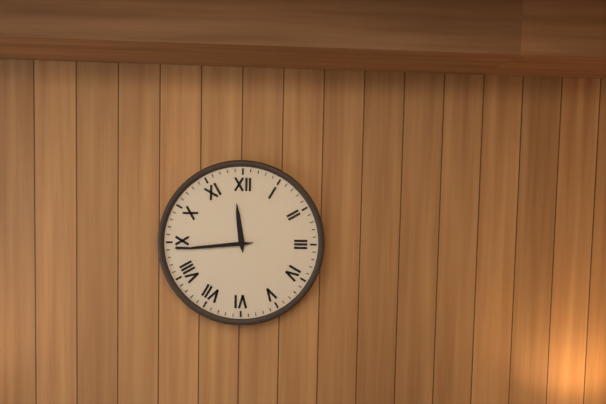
11:44
